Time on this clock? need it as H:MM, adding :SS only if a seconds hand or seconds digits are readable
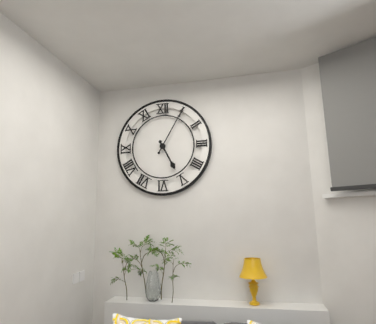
5:05
